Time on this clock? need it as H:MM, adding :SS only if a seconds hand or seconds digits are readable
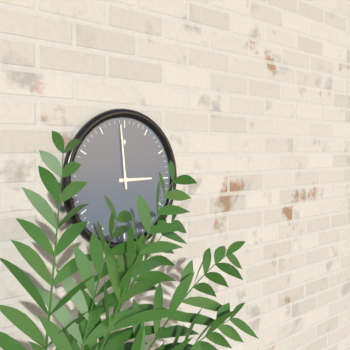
2:59
